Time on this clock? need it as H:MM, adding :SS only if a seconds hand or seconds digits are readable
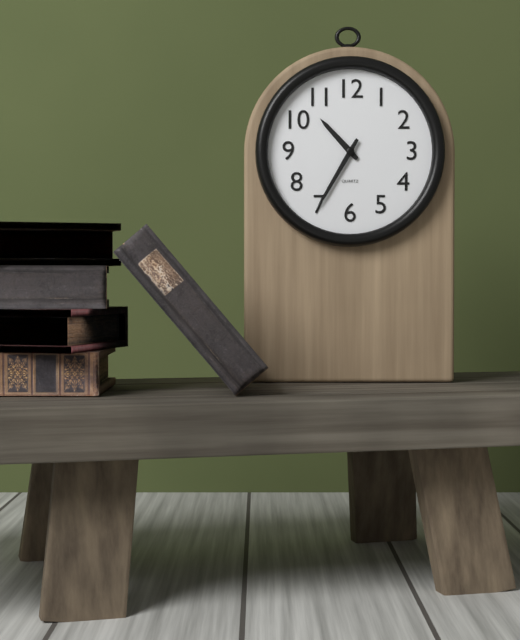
10:35
